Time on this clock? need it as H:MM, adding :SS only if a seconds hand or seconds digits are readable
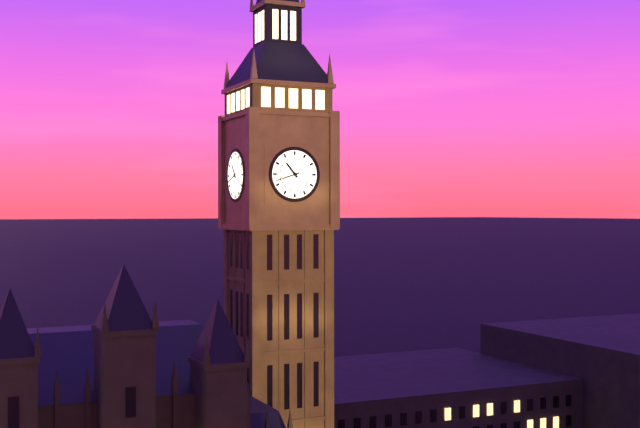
10:42
